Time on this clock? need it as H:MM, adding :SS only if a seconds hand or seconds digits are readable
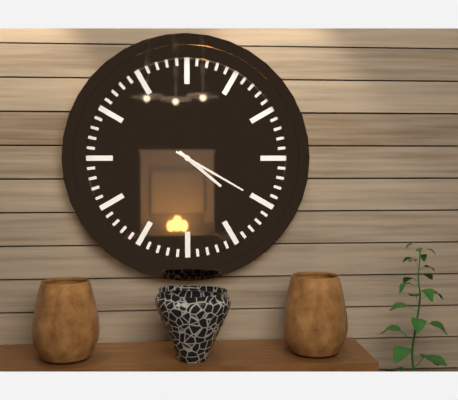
4:20
